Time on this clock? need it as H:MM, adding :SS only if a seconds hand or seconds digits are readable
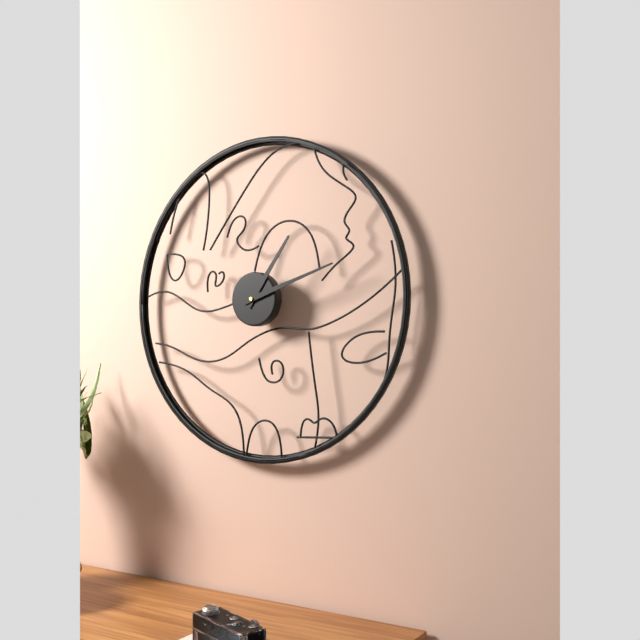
1:12
